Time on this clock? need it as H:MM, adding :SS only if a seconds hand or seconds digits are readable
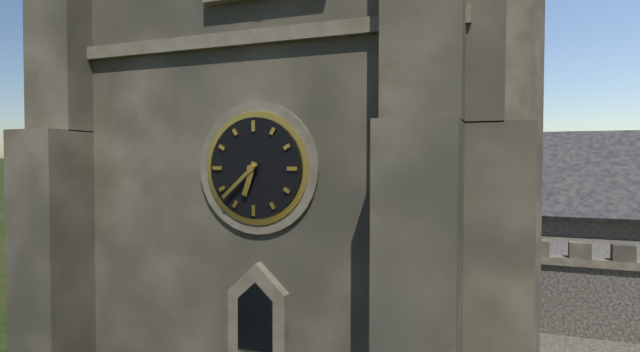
6:38
